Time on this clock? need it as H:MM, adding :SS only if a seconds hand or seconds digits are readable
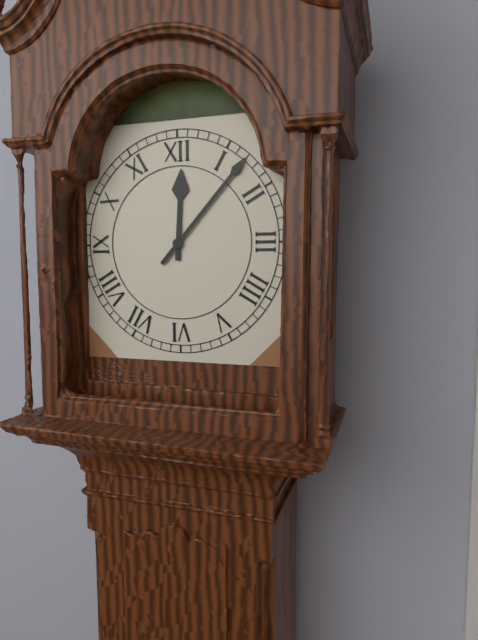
12:07
